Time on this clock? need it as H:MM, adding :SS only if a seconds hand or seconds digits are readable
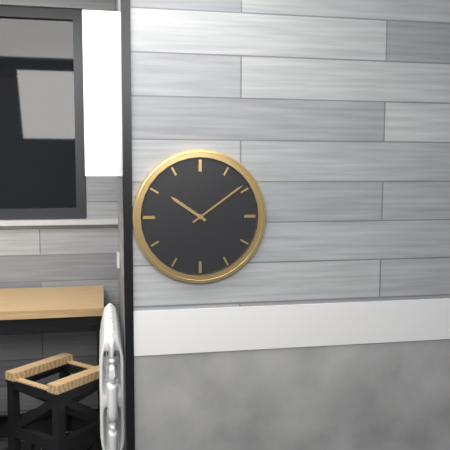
10:09
